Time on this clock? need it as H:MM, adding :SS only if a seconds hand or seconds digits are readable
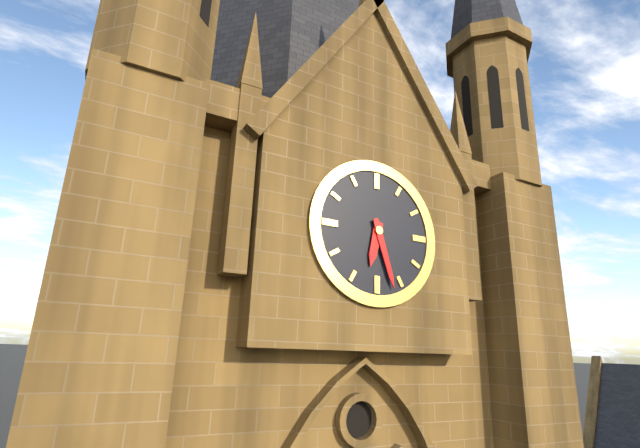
6:27
